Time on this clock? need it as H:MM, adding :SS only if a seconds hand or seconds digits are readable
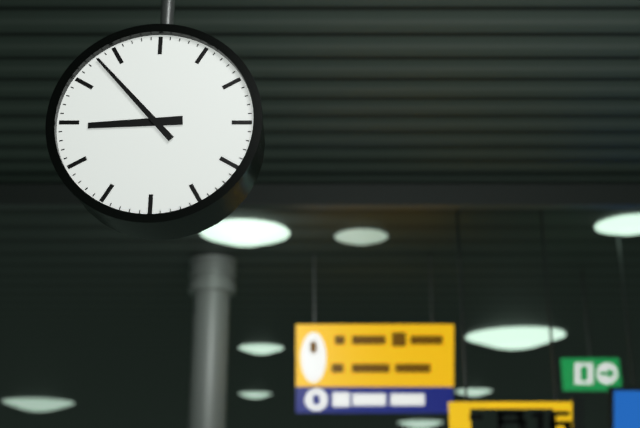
8:53
